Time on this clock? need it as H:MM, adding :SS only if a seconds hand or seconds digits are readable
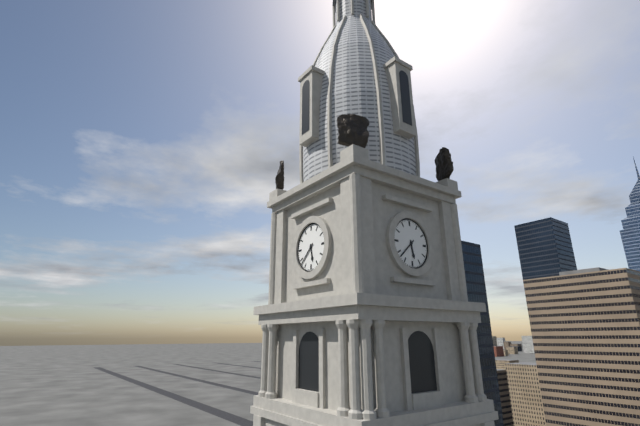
5:38
